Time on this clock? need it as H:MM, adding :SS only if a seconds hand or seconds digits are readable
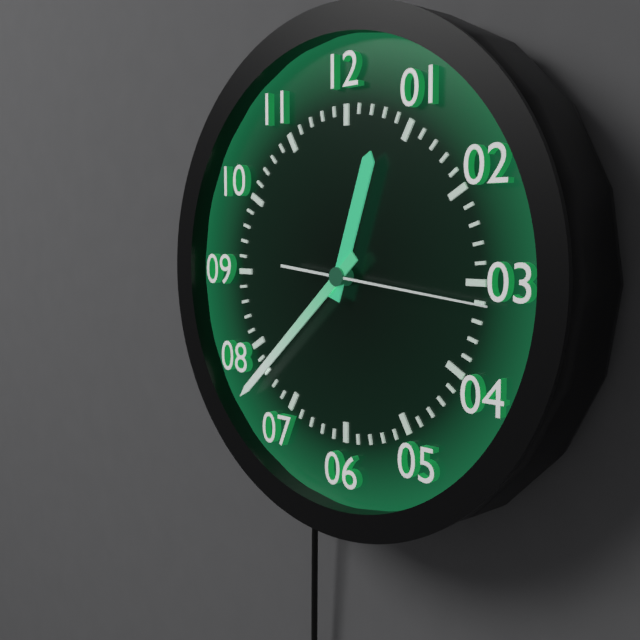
12:38:16
